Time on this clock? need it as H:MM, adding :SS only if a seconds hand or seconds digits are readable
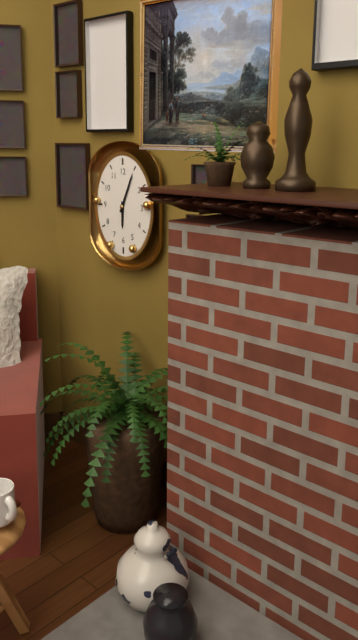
6:04
